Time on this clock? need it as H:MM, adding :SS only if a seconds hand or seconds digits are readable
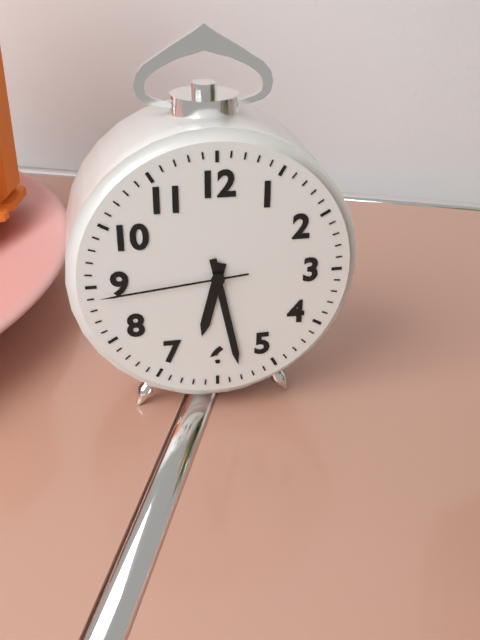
6:28:44
